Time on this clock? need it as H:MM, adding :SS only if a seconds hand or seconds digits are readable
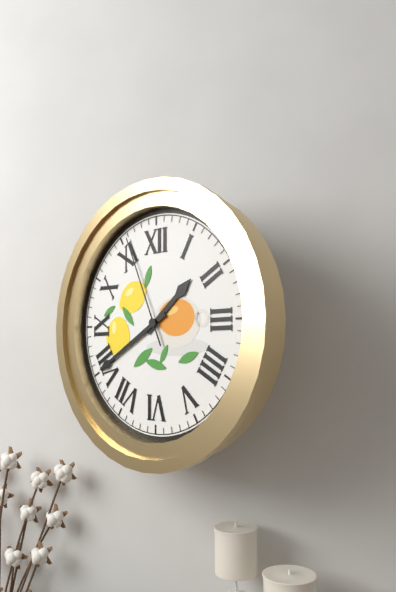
1:40:56
